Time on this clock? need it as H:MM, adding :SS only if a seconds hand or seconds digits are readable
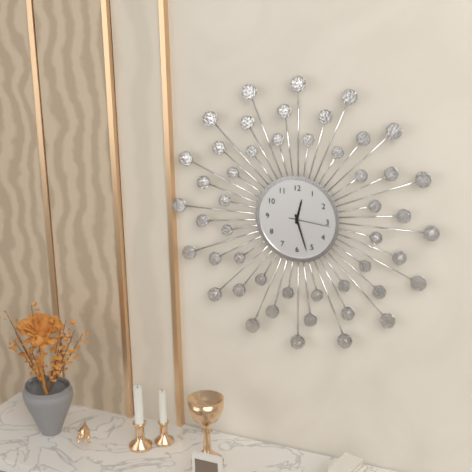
12:27
